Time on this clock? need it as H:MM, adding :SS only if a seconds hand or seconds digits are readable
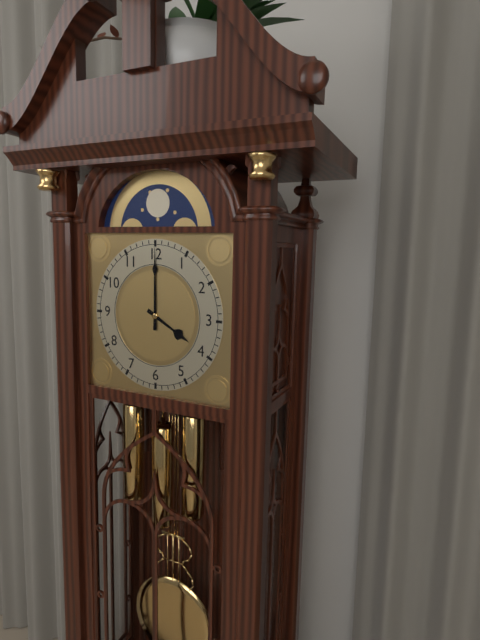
4:00
